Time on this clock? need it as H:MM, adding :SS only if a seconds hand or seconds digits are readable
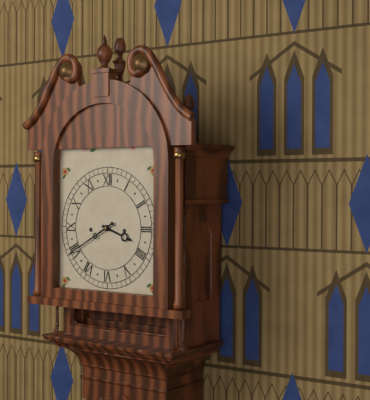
3:40
